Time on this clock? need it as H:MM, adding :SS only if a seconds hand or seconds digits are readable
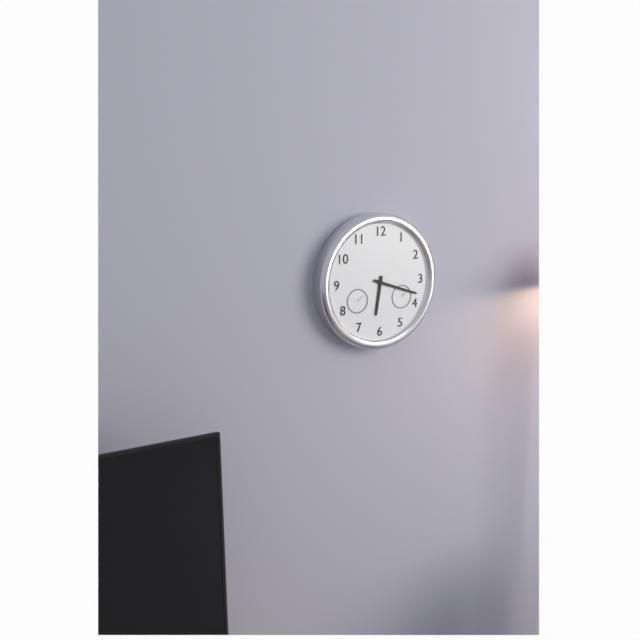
6:18
